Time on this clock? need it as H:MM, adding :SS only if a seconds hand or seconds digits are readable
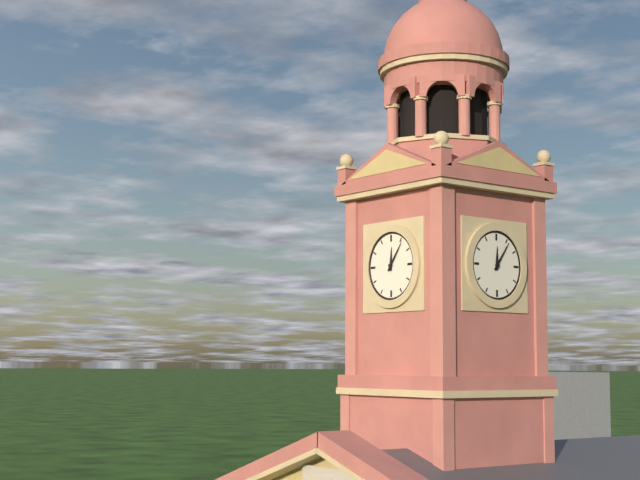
12:06
